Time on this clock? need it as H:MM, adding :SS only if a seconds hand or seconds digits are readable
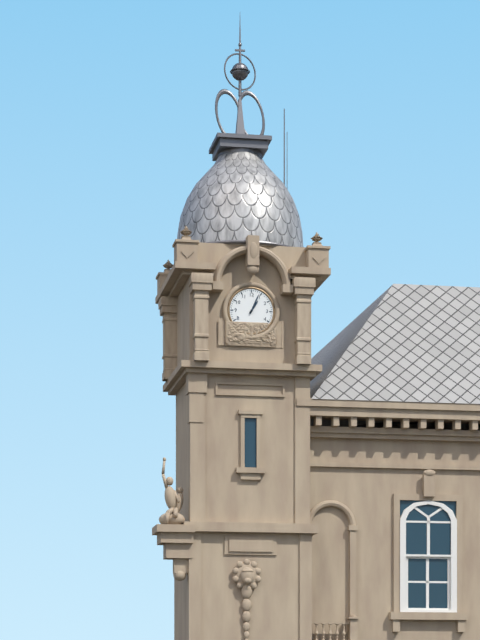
1:04
